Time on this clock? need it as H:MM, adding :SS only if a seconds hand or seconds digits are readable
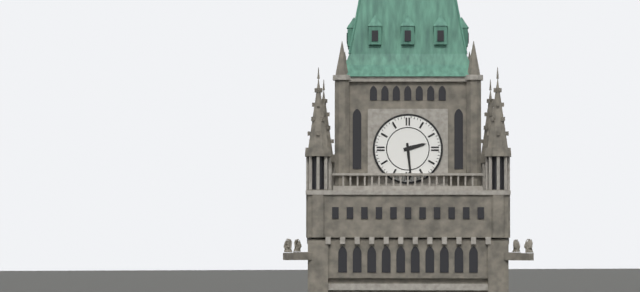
2:29
